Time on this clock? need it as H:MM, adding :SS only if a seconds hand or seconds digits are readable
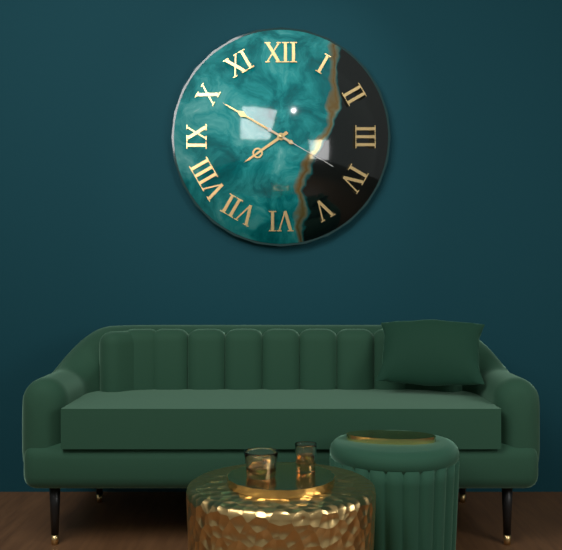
7:50:20
